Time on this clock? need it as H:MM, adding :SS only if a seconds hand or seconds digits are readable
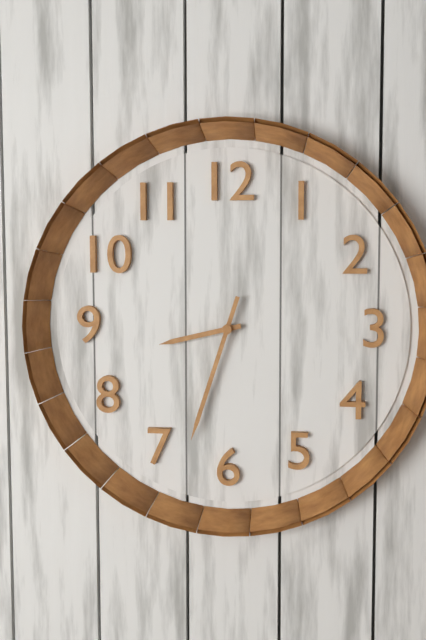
8:33
